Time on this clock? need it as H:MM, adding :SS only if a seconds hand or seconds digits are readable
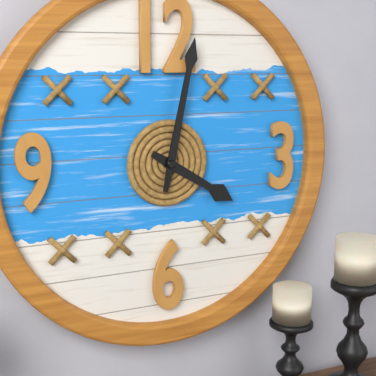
4:02
